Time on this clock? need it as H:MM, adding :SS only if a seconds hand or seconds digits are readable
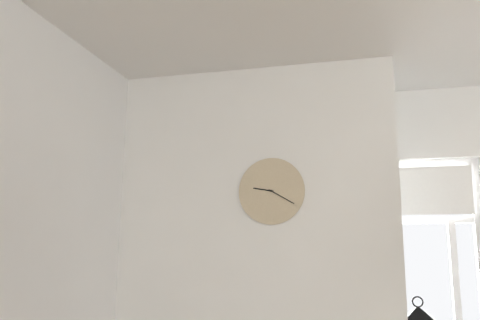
9:20
